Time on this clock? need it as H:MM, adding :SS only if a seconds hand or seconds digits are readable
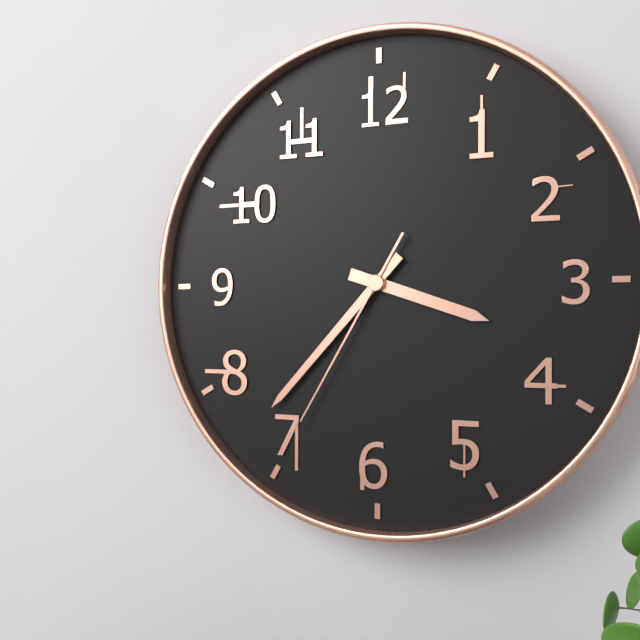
3:37:35
